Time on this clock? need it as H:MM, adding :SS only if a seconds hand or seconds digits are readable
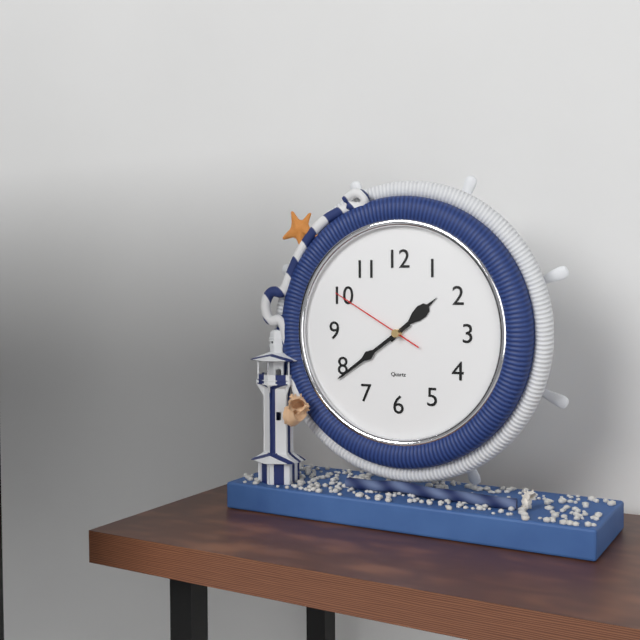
1:39:50
